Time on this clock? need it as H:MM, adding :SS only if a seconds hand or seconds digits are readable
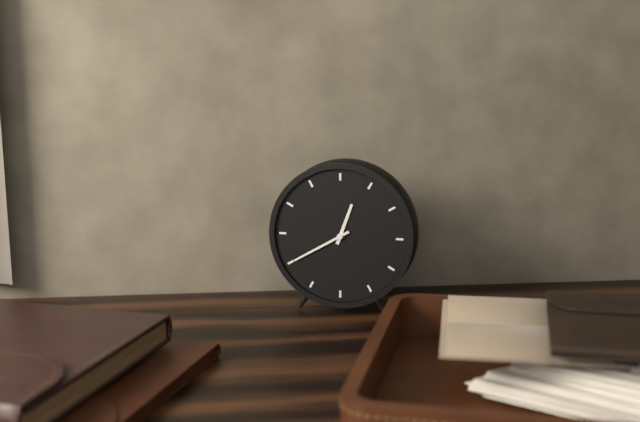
12:40
